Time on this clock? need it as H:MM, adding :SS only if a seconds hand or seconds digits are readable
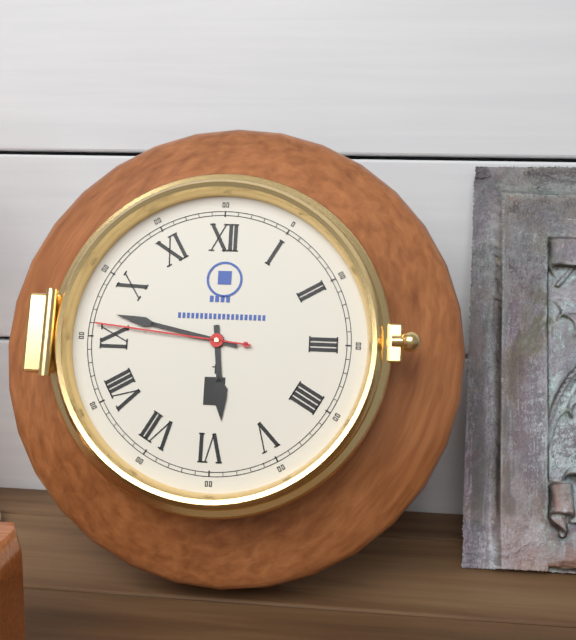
5:47:46
